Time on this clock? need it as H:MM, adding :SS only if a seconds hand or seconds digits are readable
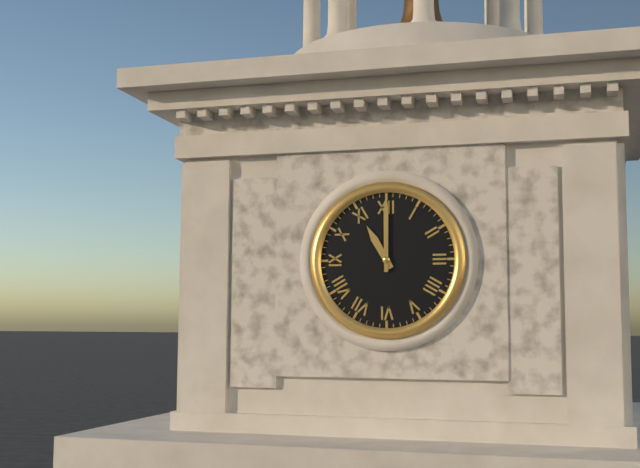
11:00
